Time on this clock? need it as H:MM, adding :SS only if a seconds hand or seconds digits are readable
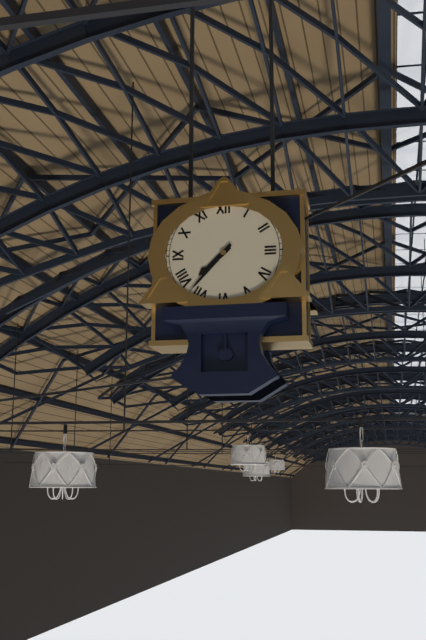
7:37
